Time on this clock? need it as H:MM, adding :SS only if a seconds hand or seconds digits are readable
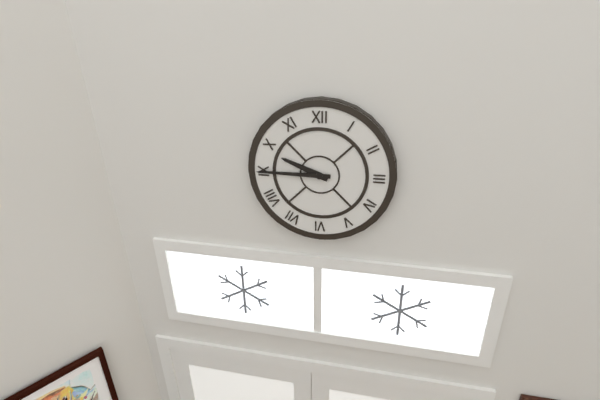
9:45
